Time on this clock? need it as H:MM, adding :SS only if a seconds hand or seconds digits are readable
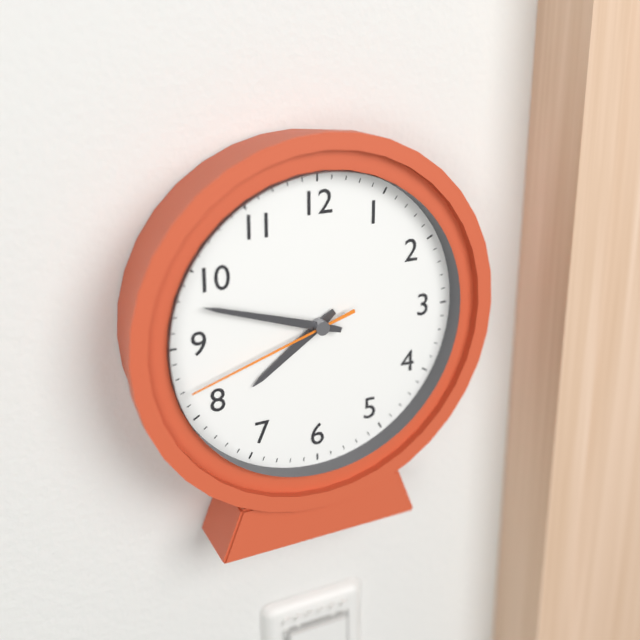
7:48:42
